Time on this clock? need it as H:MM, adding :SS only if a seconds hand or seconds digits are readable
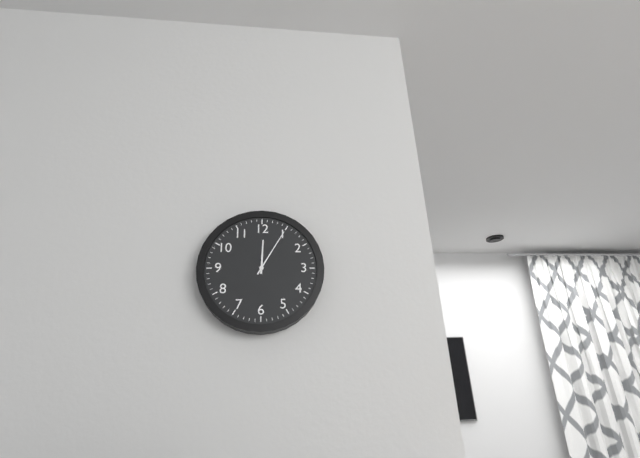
12:05
